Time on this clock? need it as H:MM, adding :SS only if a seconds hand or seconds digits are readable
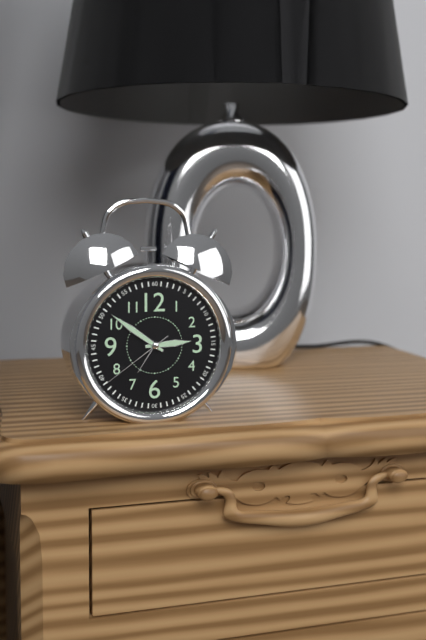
2:51:39
